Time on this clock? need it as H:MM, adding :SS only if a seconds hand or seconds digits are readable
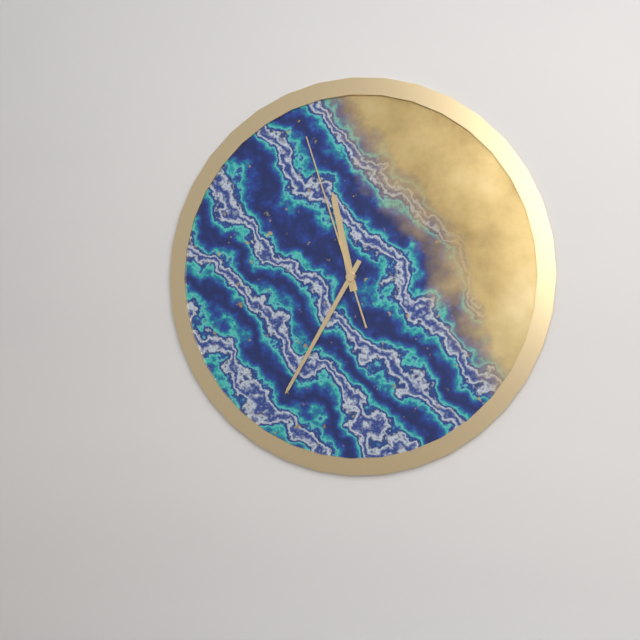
11:35:57
